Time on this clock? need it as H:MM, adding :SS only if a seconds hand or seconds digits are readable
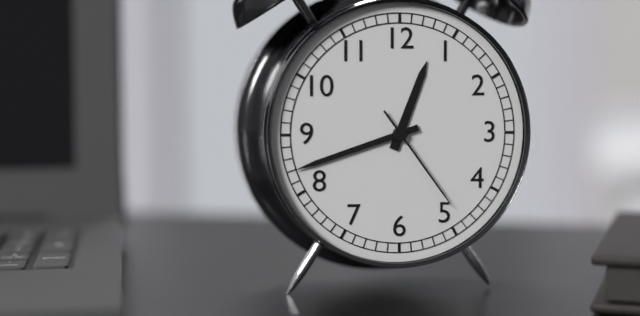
12:42:24
